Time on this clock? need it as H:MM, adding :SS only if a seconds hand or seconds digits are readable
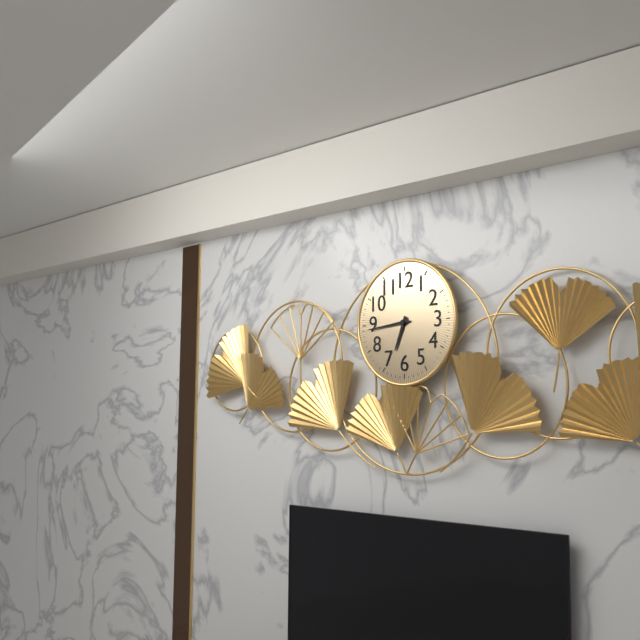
6:44
